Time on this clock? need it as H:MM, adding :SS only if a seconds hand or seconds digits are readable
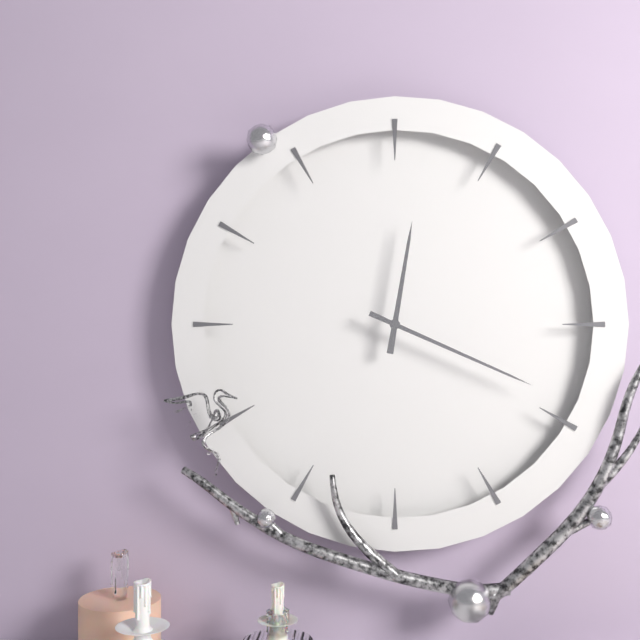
12:19
